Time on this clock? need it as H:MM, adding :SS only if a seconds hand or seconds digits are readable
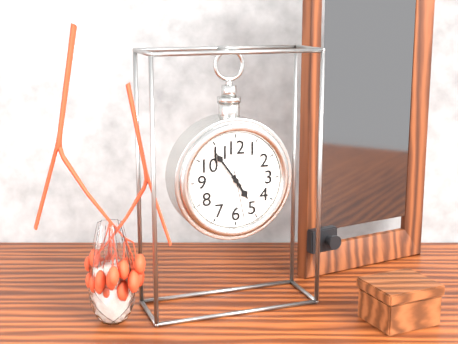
4:54:28
